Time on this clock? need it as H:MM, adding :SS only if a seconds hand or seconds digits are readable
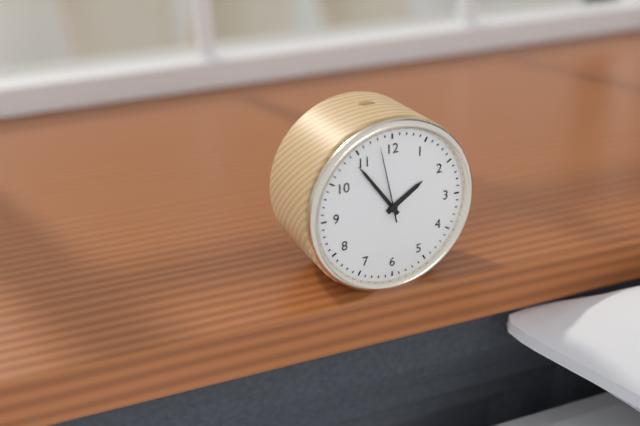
1:54:58
